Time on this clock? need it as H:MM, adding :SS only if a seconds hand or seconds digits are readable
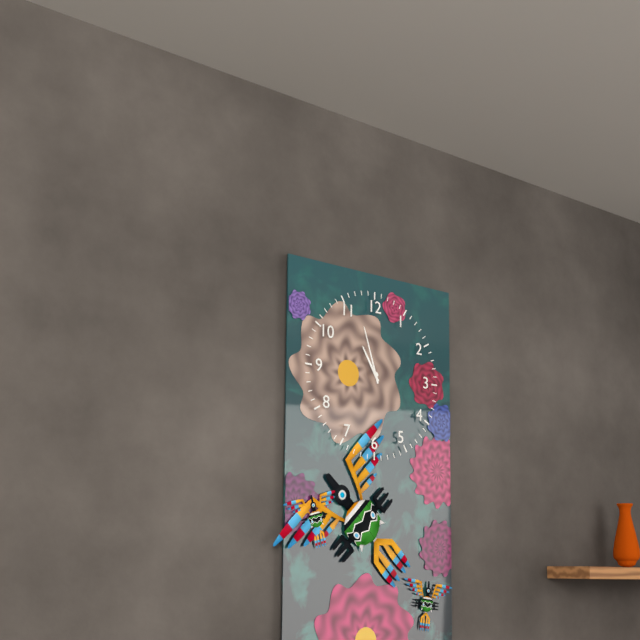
10:57
